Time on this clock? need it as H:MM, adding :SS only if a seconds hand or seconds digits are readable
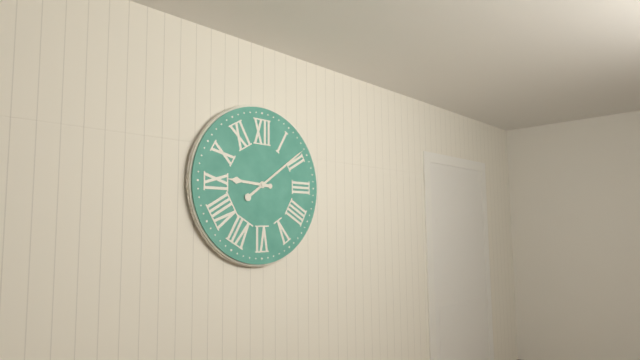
9:09
